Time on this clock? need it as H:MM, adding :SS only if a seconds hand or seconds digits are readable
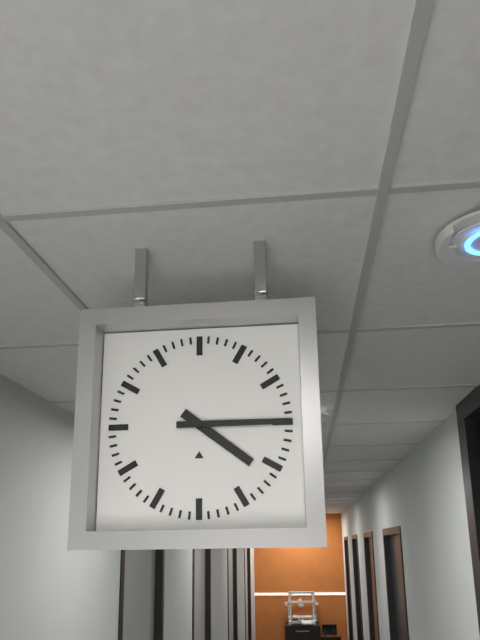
4:15
